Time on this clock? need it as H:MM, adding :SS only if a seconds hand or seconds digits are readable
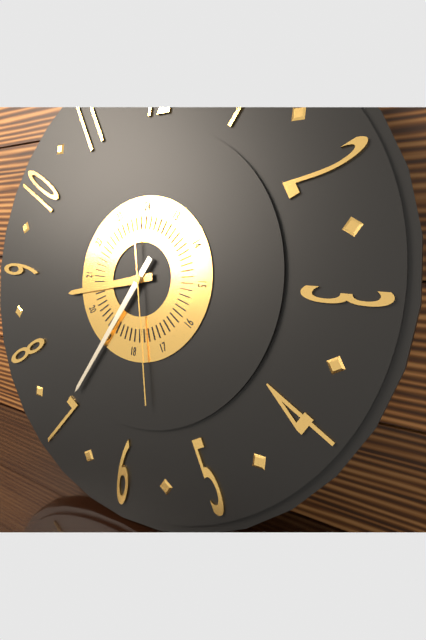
8:35:28
